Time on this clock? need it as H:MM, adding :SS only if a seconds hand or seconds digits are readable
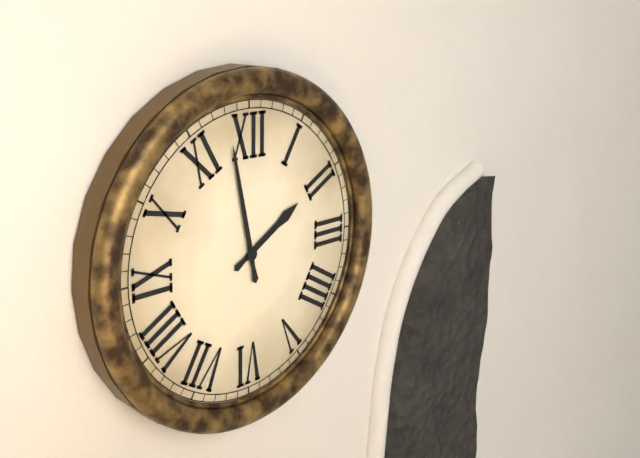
1:58
